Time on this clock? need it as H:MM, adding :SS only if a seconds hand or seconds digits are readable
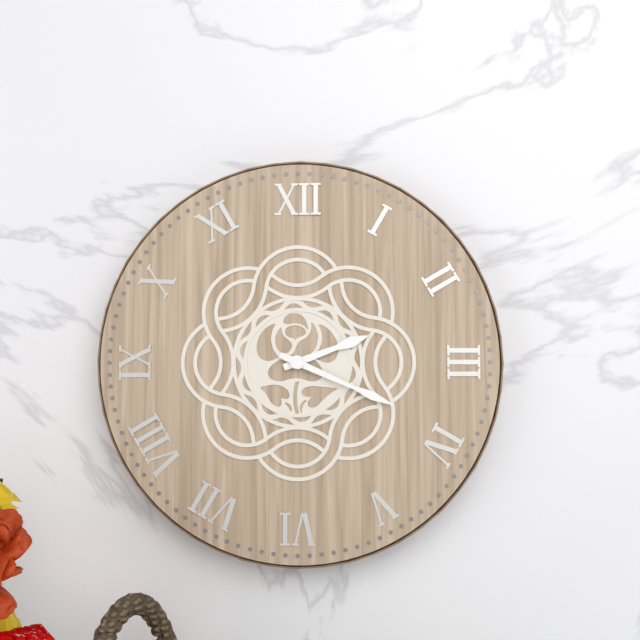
2:19
